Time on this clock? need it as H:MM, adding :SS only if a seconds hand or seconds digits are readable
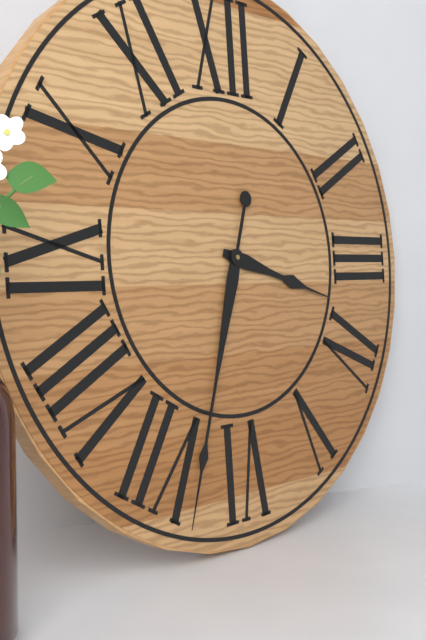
3:33
